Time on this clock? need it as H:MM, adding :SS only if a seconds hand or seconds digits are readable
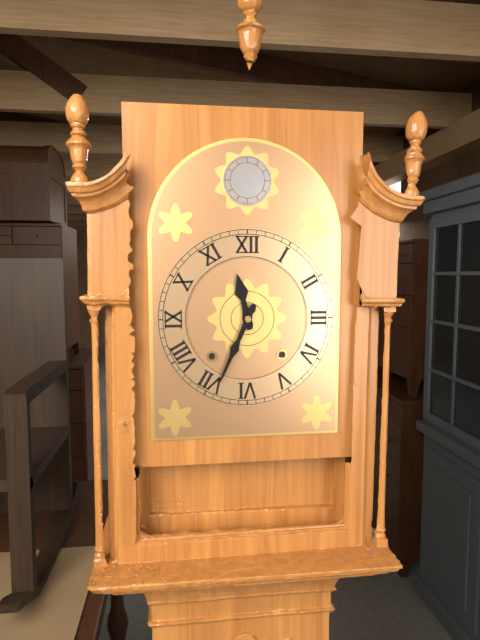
11:34
